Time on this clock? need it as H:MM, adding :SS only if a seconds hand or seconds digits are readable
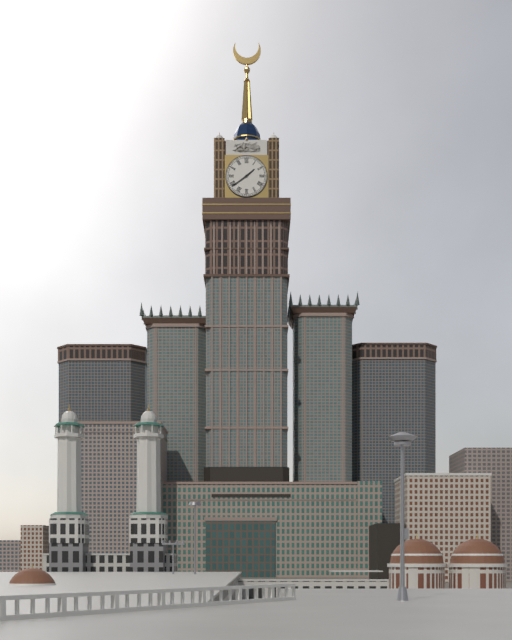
1:39
